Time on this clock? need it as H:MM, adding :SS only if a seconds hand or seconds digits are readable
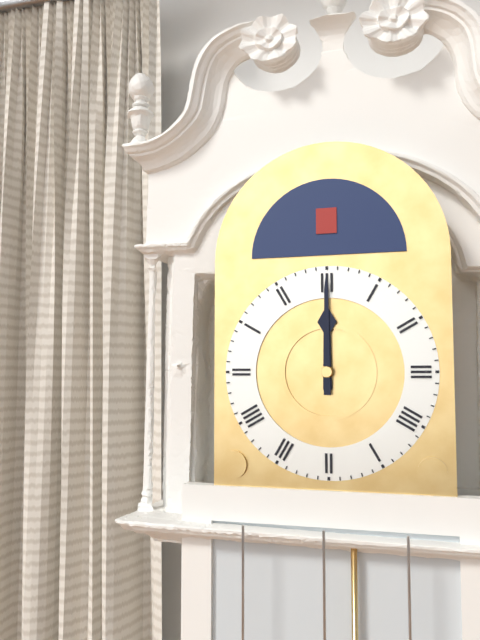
12:00
